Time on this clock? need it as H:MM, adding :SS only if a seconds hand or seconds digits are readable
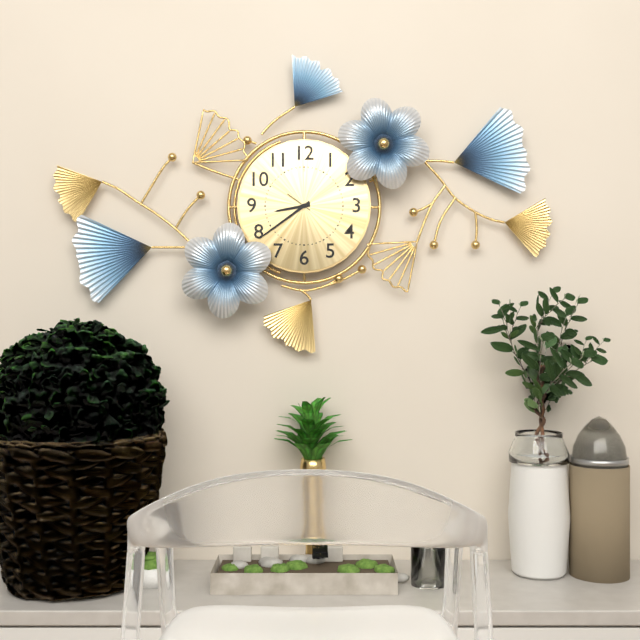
8:39
